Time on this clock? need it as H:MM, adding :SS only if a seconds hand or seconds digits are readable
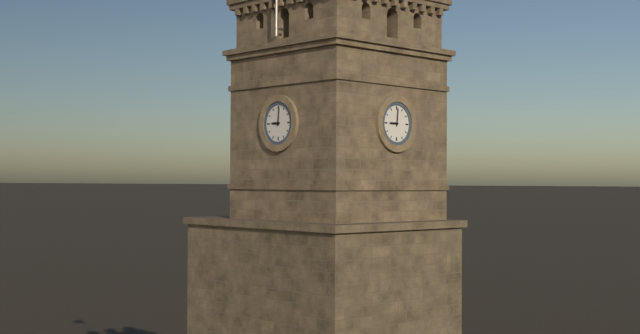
9:01
